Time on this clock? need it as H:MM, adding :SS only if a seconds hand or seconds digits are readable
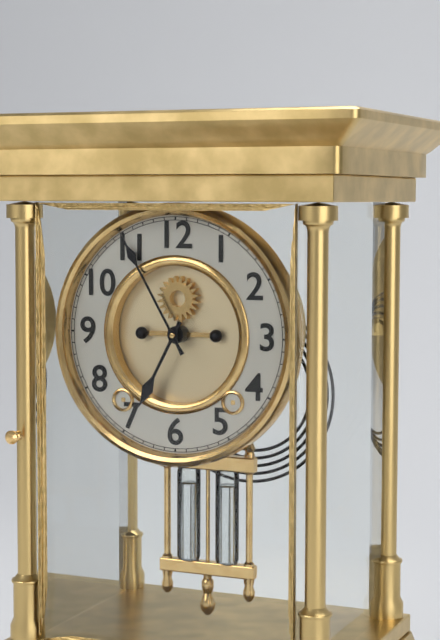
6:55
